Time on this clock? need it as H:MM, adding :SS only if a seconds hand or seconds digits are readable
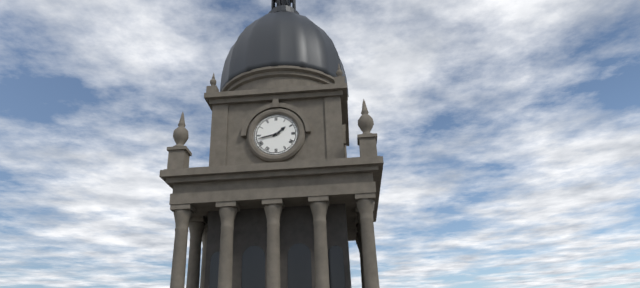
1:43
